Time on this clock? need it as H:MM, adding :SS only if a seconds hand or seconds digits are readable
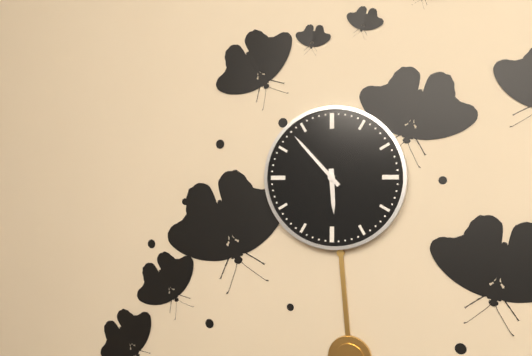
5:53
